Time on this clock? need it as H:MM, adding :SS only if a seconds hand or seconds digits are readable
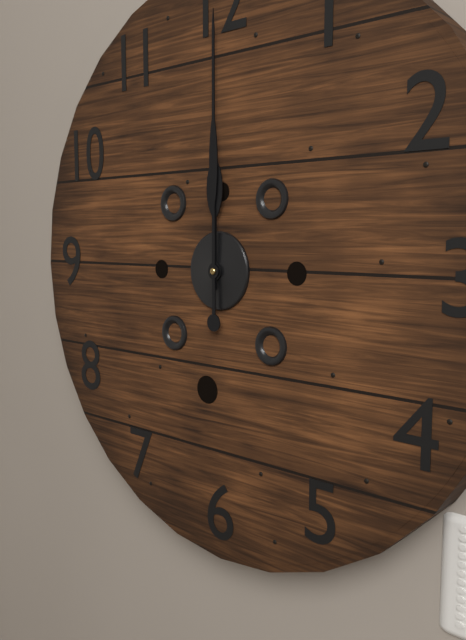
12:00
